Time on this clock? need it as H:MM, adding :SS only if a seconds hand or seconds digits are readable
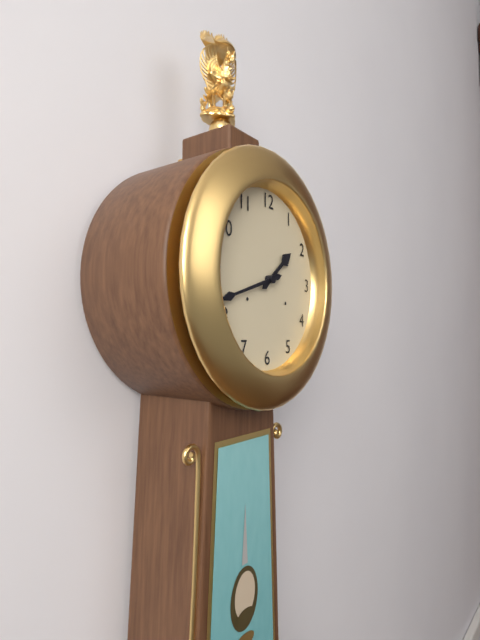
1:42
